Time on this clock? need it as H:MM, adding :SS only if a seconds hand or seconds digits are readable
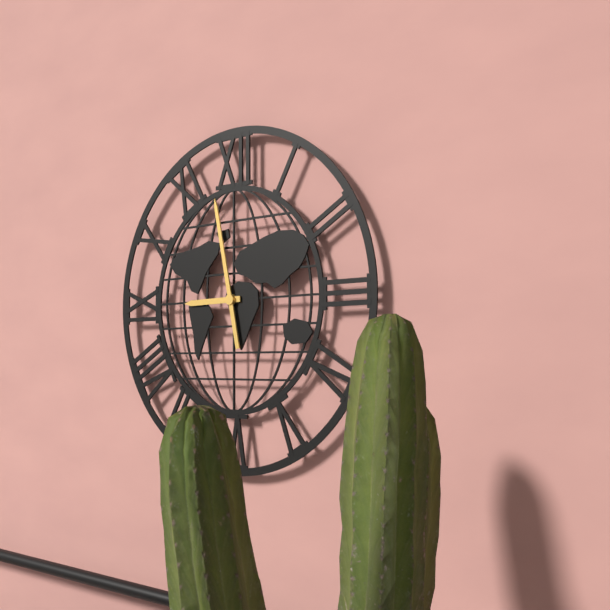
8:58
